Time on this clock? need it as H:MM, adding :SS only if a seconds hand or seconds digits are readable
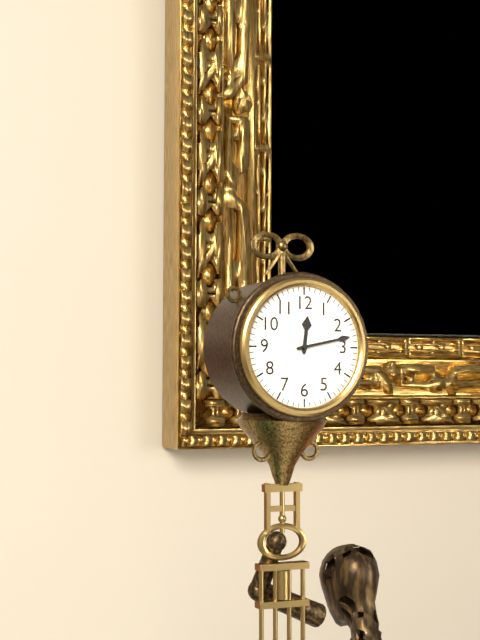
12:13
